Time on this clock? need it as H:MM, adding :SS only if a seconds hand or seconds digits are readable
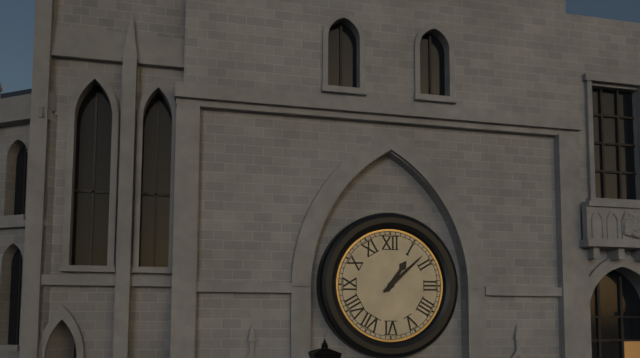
1:08
